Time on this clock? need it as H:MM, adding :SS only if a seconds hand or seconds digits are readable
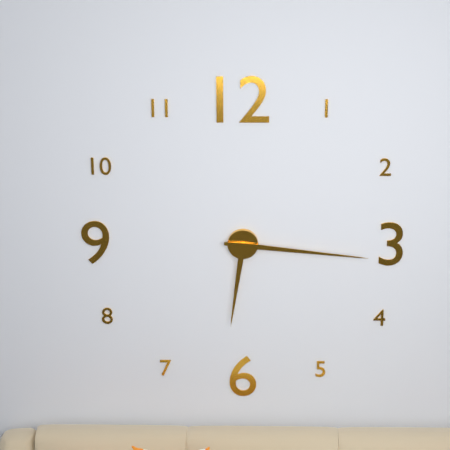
6:16
